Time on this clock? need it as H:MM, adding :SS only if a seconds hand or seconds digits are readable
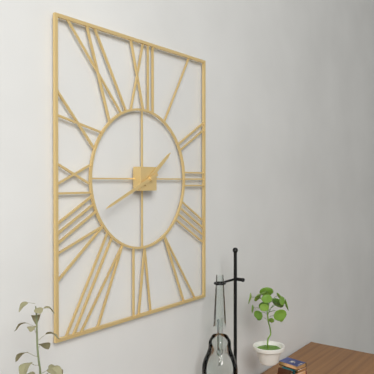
1:41
